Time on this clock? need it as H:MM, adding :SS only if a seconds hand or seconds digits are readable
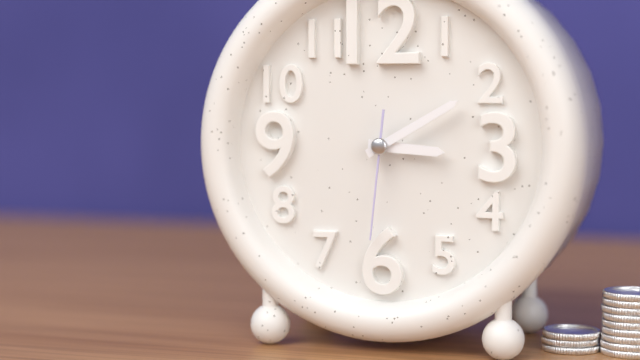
3:10:31
